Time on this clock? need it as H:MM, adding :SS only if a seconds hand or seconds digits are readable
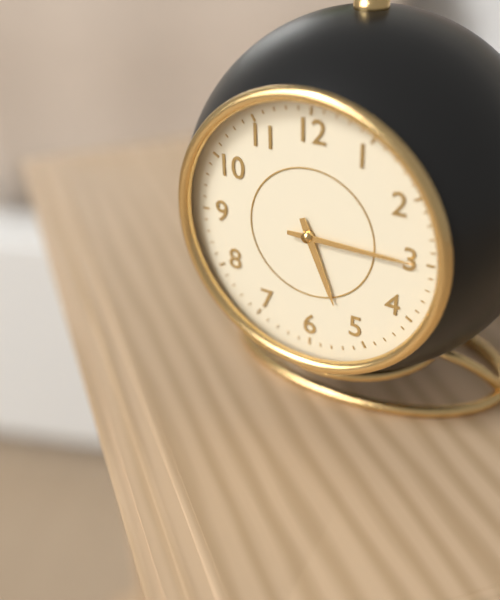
5:15
